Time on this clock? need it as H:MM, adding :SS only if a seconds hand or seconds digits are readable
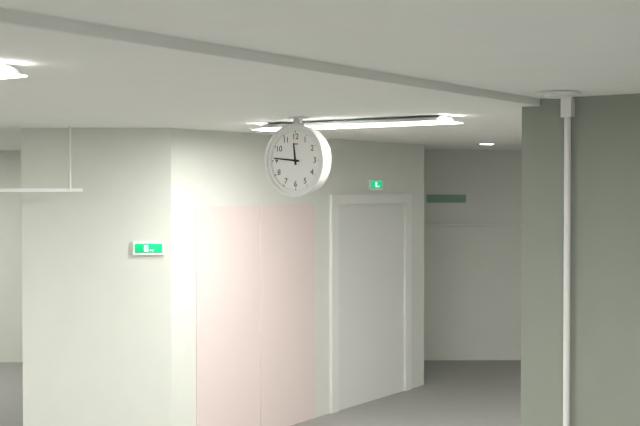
11:46
